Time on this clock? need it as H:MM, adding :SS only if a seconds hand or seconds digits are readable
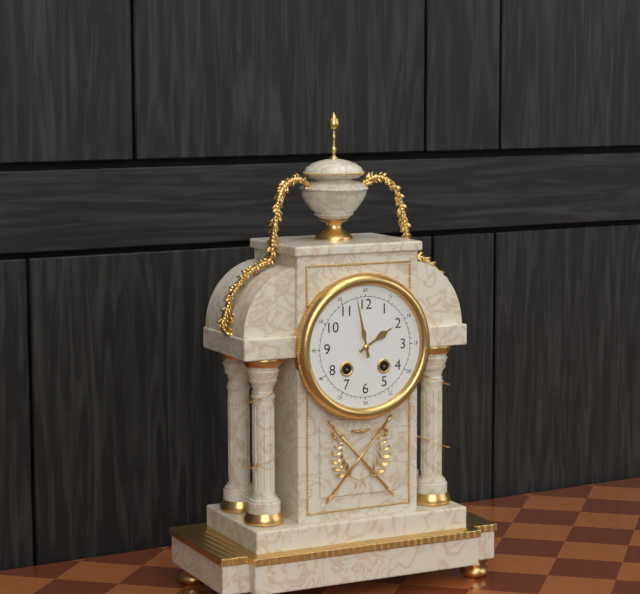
1:58
